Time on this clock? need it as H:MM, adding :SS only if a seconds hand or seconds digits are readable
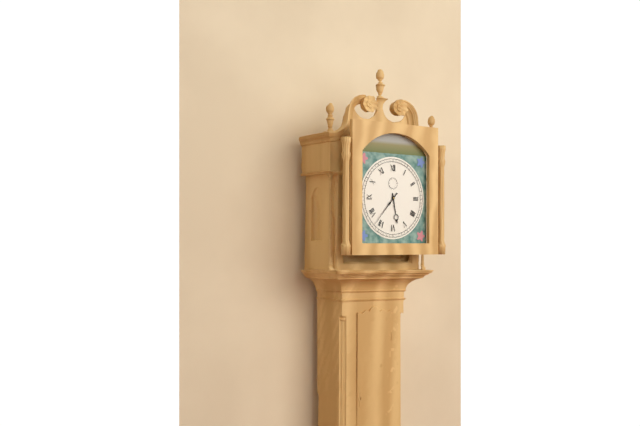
5:37
